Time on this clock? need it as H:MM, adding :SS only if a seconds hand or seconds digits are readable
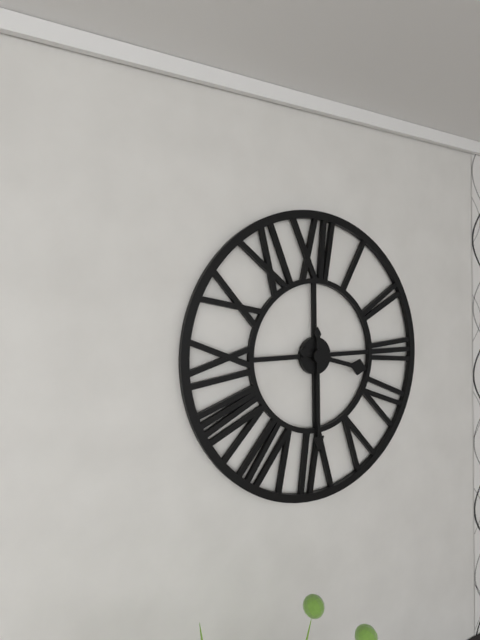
3:30
